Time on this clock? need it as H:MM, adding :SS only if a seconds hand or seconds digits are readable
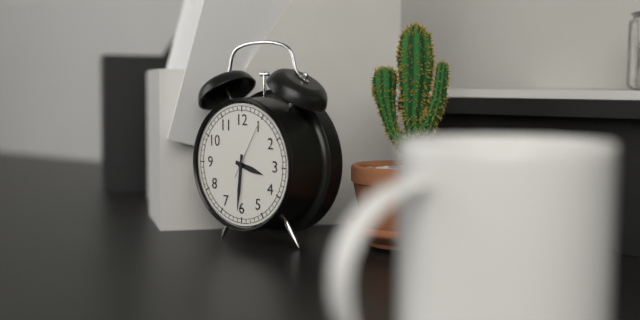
3:31:05
